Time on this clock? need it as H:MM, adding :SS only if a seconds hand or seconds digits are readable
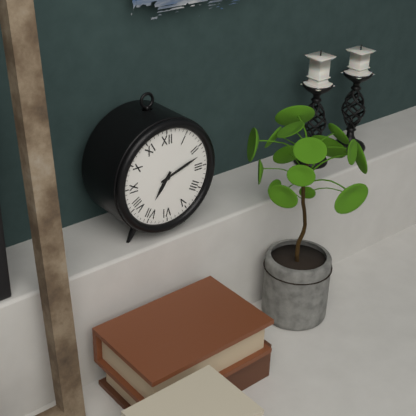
7:12
